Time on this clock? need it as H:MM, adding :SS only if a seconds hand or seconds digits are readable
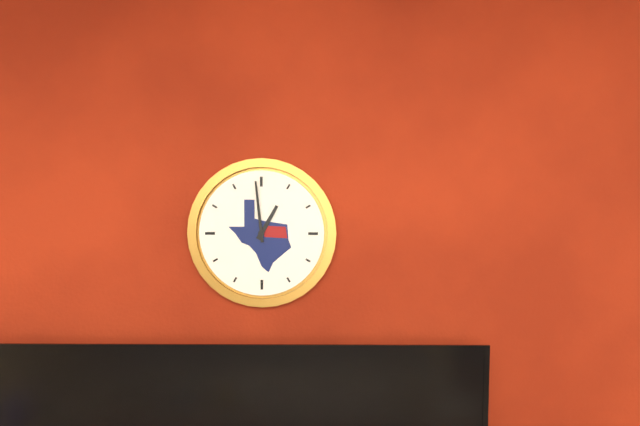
12:59
